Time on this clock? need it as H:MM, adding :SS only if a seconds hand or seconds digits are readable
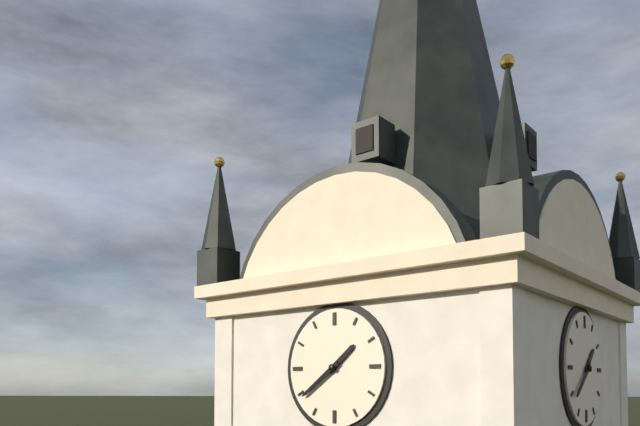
1:39
